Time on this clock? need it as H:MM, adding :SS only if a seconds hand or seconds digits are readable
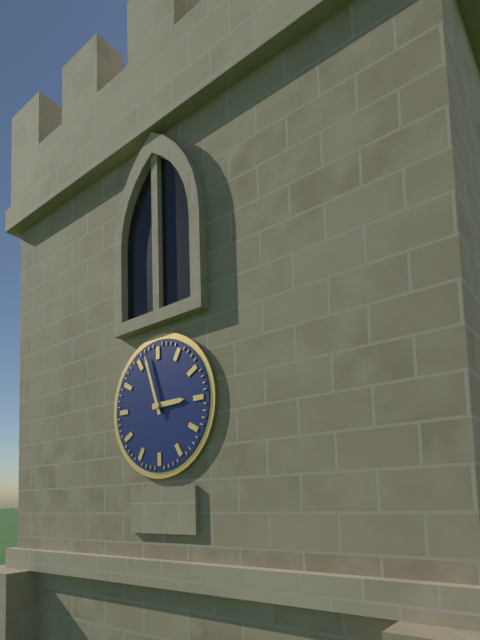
2:57
